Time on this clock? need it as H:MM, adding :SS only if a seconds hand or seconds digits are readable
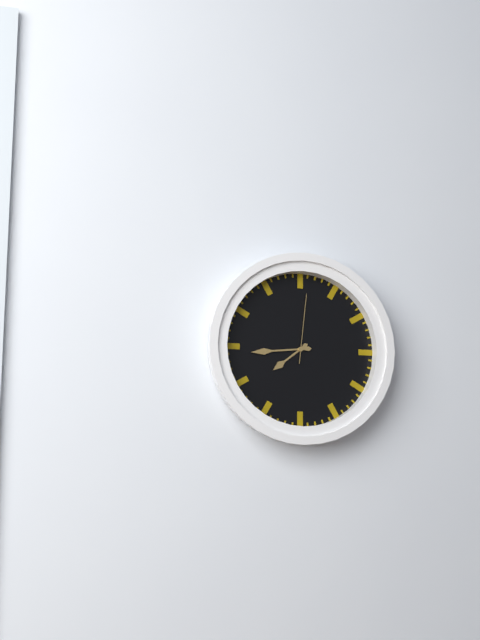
7:44:01
